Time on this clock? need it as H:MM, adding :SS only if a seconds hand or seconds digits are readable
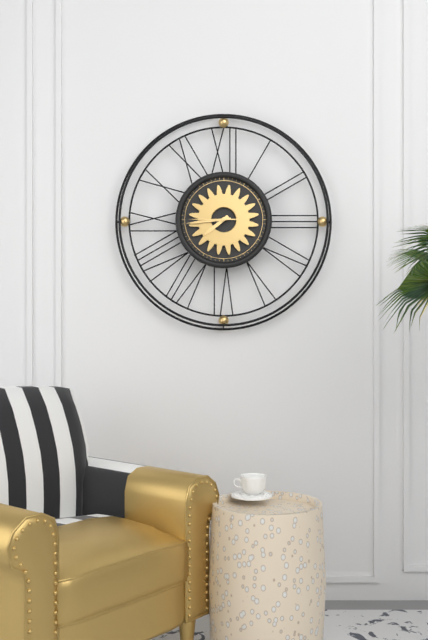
7:44
